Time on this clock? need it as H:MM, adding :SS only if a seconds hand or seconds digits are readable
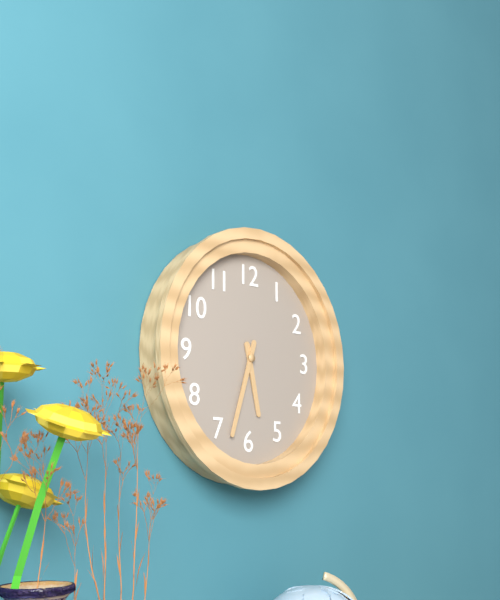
5:33
